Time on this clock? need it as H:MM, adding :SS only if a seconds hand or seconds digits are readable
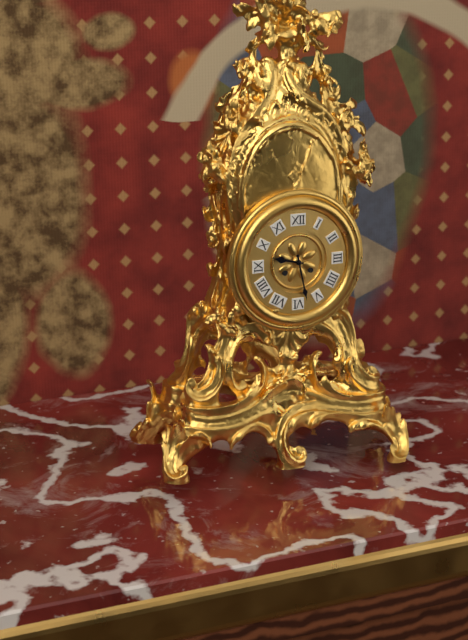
9:28
